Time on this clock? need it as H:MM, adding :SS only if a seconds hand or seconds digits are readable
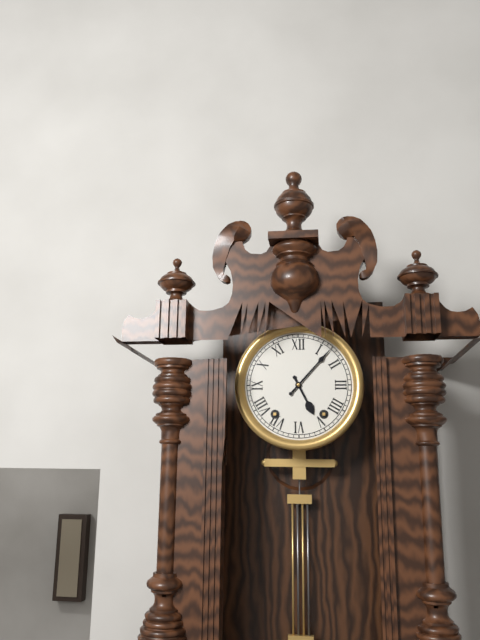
5:07
